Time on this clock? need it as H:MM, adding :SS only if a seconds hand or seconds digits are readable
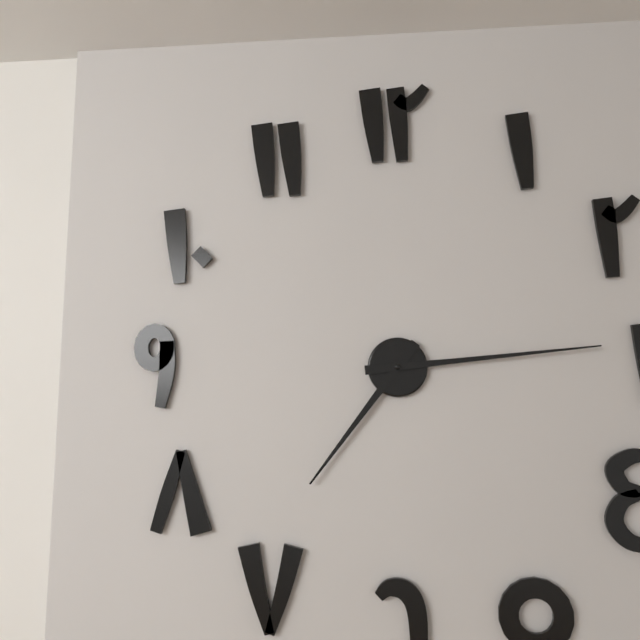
7:14
